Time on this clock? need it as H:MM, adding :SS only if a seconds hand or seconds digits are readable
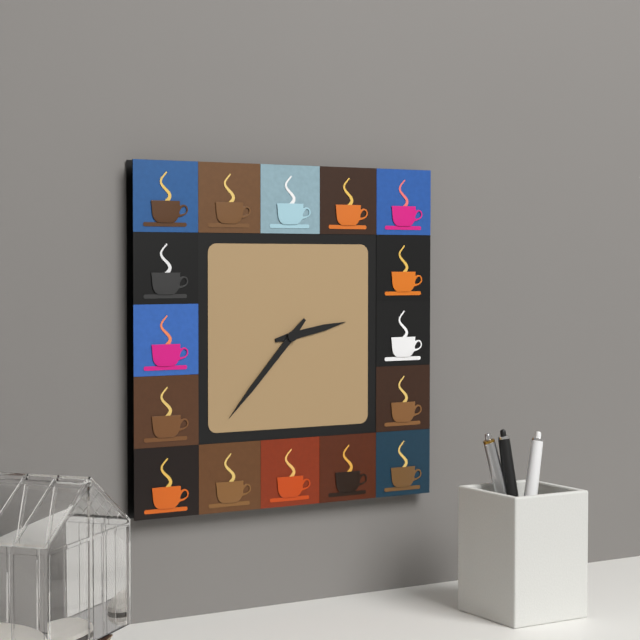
2:37
